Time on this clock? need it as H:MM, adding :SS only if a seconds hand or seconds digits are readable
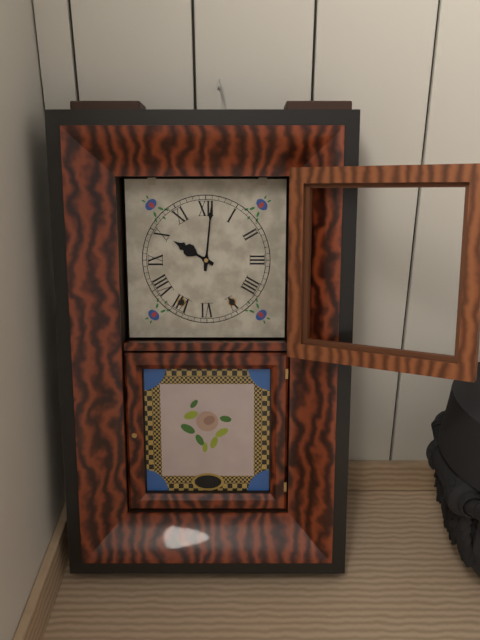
10:01
